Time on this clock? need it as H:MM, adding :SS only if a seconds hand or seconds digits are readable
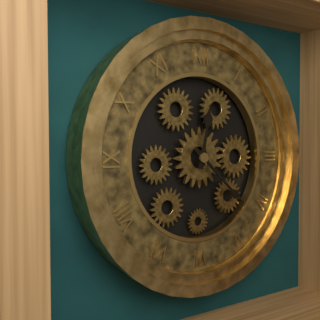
12:22
